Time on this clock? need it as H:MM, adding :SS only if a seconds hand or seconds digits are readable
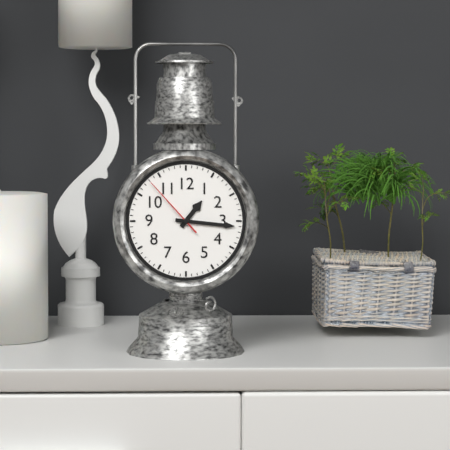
1:16:53
